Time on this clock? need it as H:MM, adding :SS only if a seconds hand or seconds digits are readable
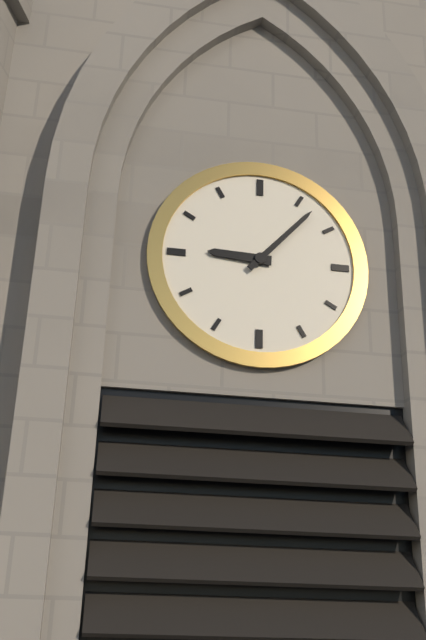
9:07
